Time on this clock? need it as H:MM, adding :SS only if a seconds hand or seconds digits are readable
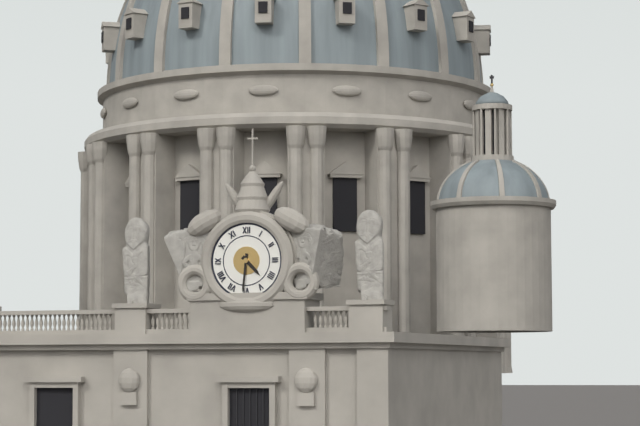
4:31
